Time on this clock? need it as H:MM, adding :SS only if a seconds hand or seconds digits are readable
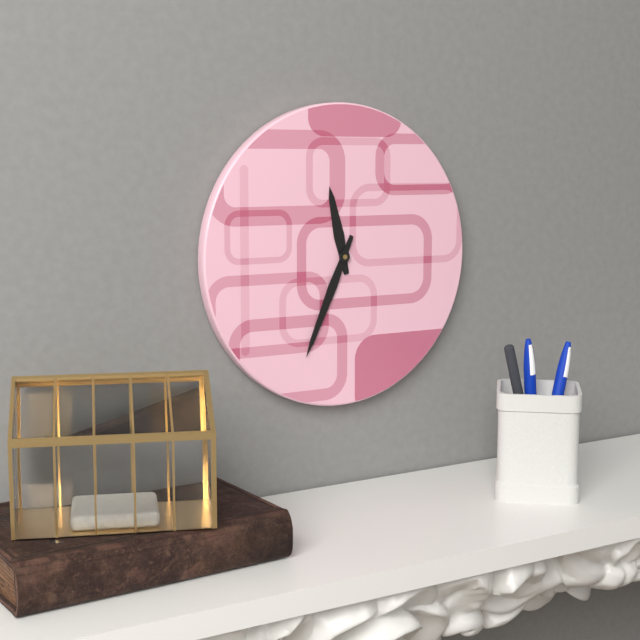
11:34
